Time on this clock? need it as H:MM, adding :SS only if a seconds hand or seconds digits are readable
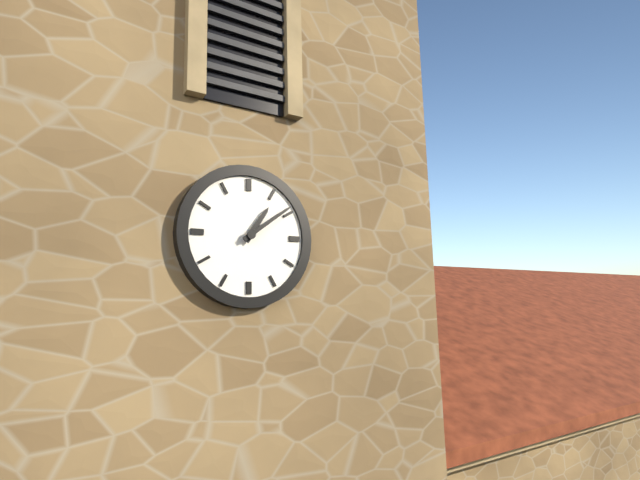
1:09
